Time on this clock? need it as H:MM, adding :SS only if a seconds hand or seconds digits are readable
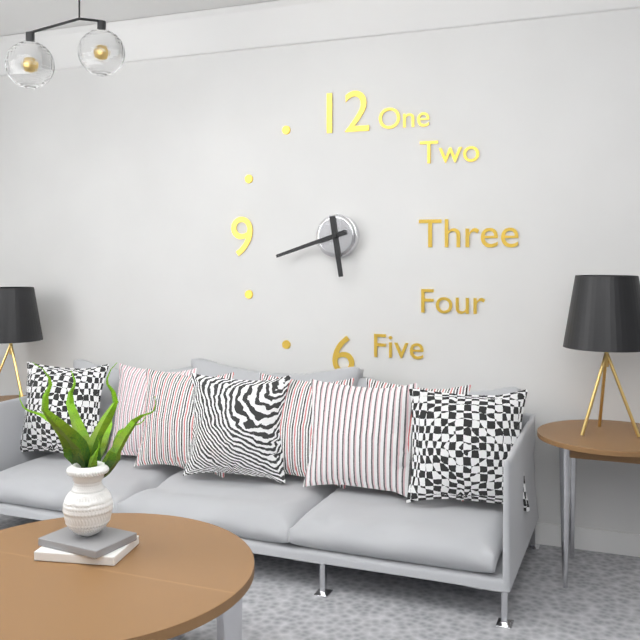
5:42
